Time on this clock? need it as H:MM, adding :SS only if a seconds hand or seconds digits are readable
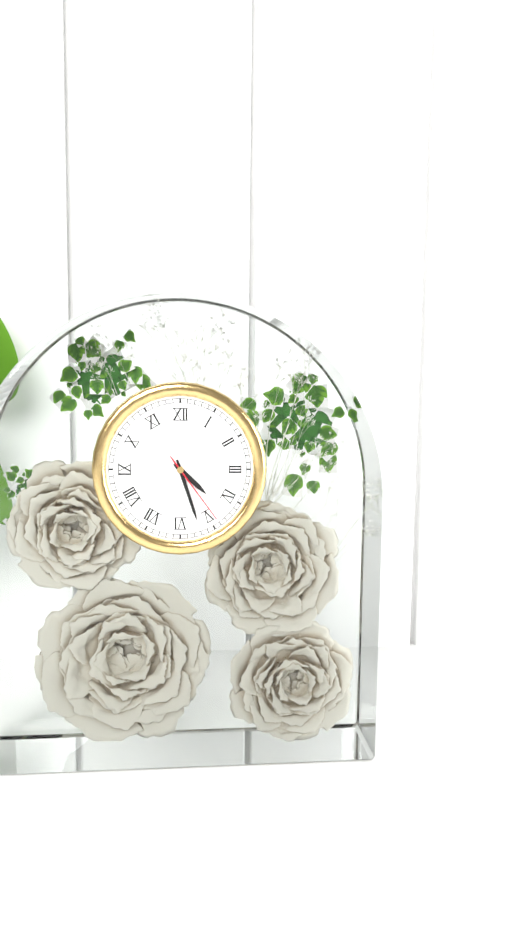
4:27:24
